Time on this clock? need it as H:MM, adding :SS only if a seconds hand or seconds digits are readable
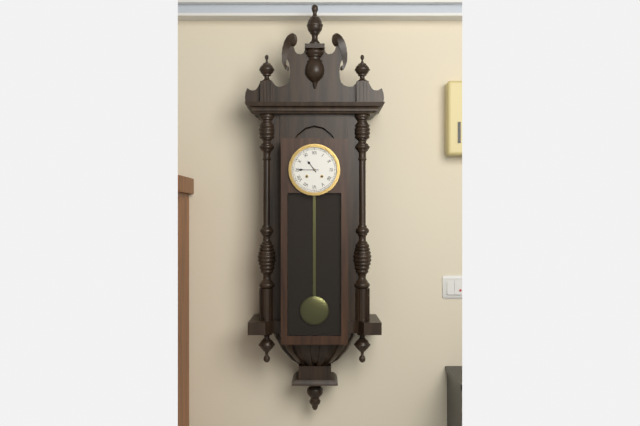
10:45
